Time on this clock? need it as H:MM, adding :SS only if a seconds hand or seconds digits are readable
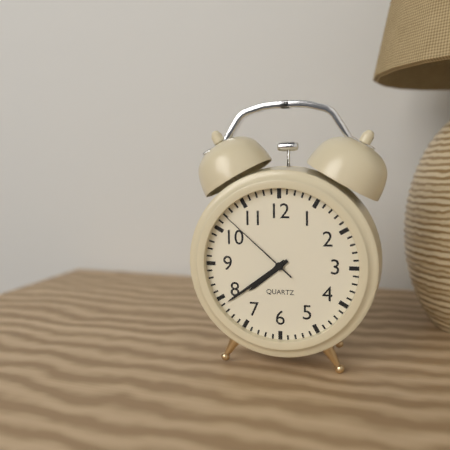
7:39:52
